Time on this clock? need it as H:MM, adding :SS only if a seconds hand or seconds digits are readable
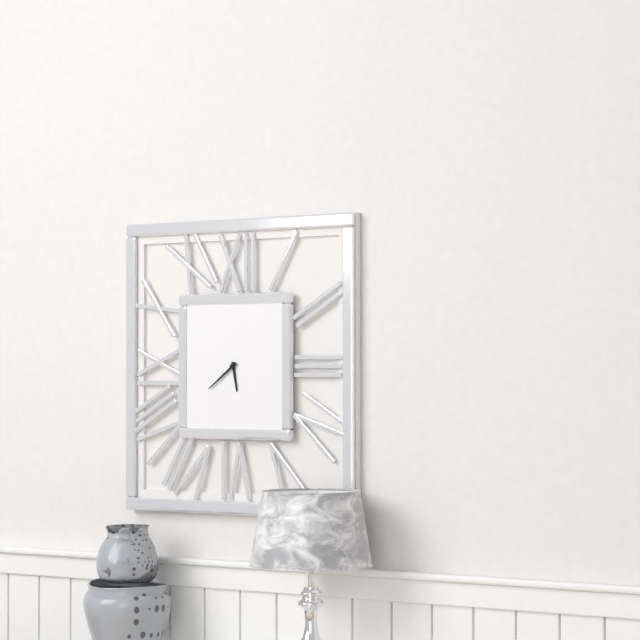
5:39
